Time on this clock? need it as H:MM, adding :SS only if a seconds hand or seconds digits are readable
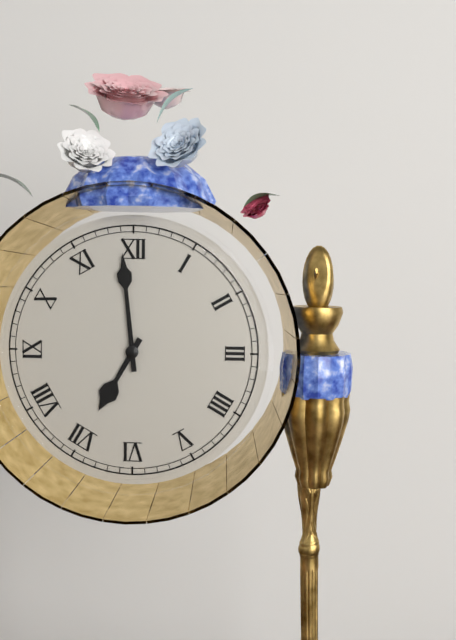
6:59
